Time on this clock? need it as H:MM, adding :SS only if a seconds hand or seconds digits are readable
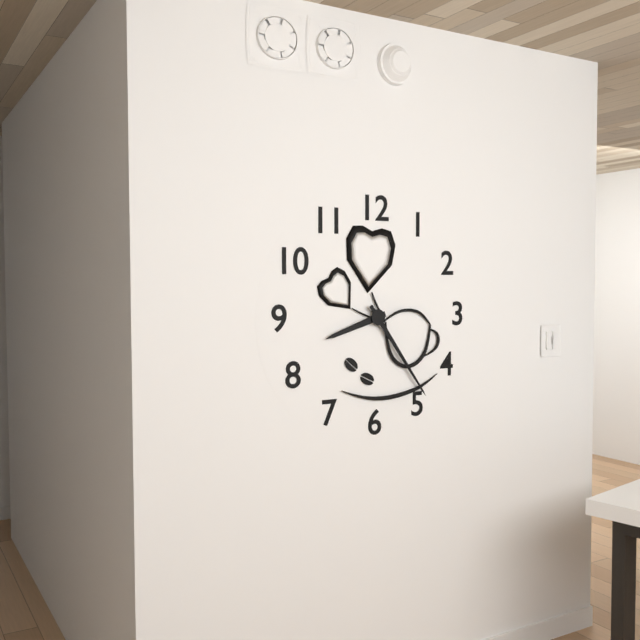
8:24
